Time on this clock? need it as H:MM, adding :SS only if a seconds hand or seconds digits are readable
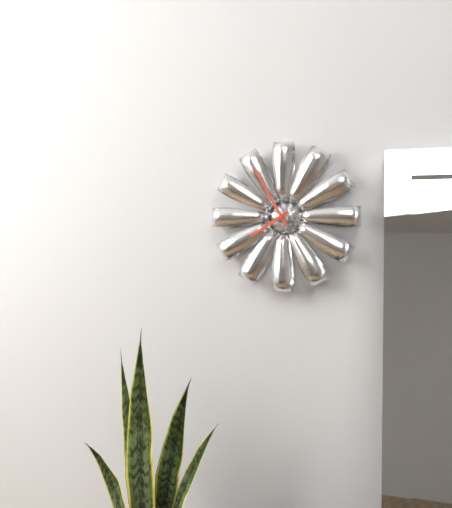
7:55
